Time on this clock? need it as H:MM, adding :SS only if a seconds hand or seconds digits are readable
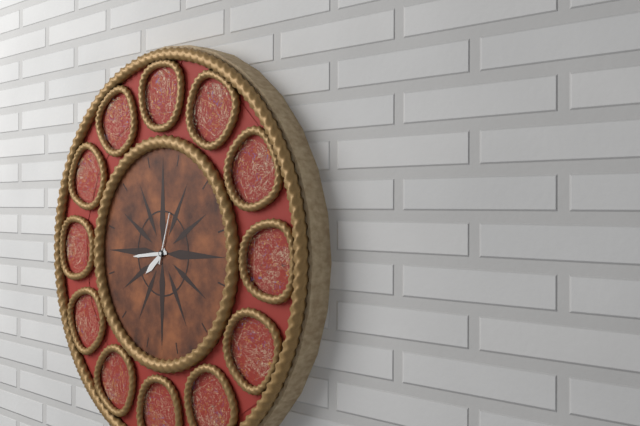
7:44:03
